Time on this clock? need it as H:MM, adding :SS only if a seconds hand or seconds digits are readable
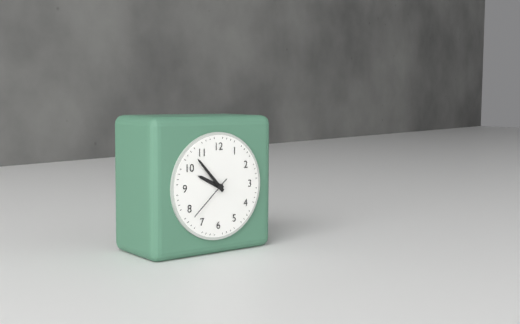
9:53
